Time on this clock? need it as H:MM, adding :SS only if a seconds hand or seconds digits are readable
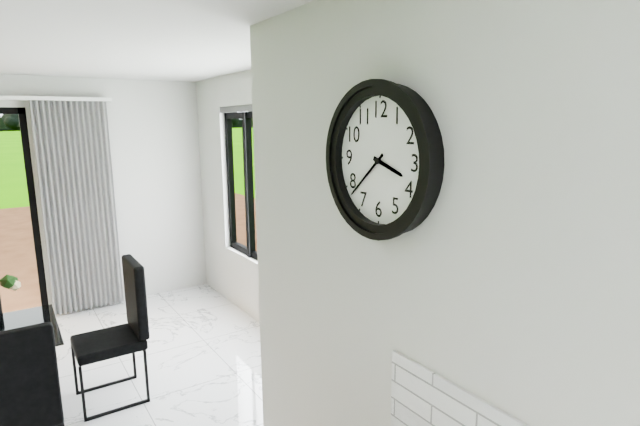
3:38
